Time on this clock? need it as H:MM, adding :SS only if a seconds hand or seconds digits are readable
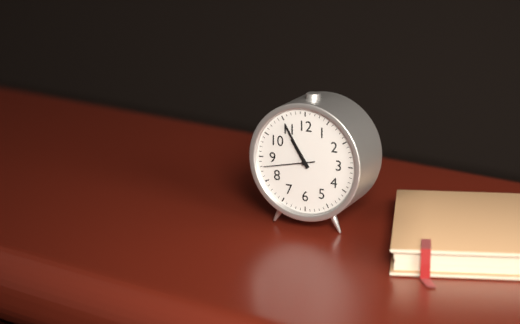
10:55:43
